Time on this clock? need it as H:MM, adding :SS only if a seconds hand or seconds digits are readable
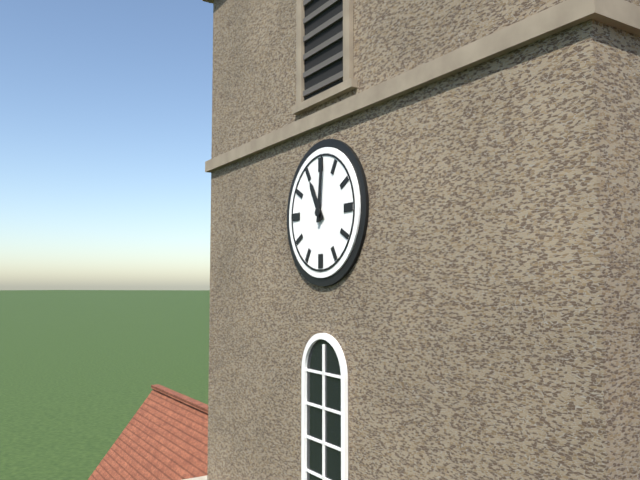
11:01
